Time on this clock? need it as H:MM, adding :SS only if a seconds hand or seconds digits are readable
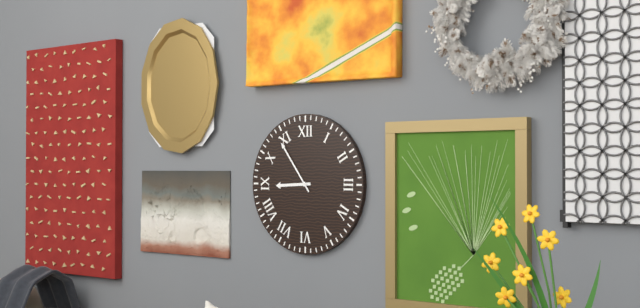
8:54
